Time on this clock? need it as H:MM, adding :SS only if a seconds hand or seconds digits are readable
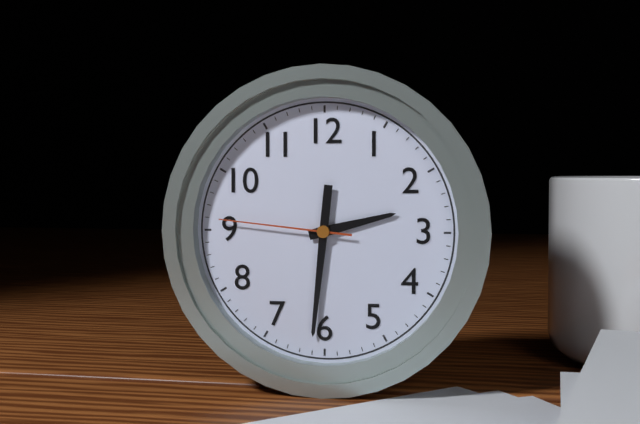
2:31:46
